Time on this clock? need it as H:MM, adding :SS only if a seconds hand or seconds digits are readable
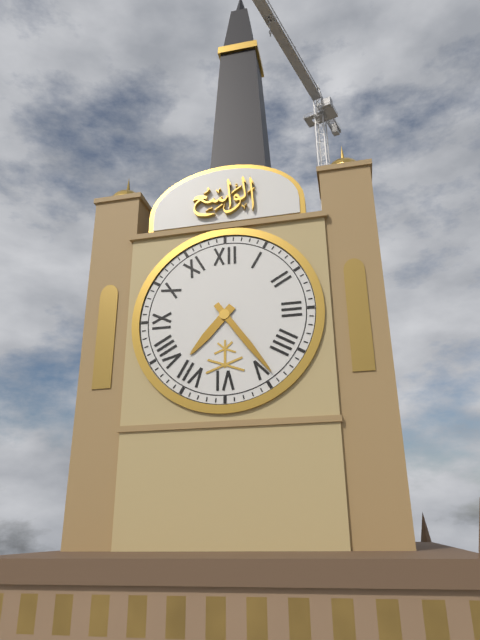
7:24
